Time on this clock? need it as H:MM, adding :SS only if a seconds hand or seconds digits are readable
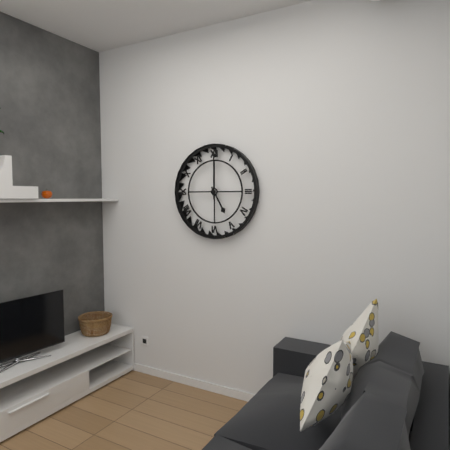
5:00
